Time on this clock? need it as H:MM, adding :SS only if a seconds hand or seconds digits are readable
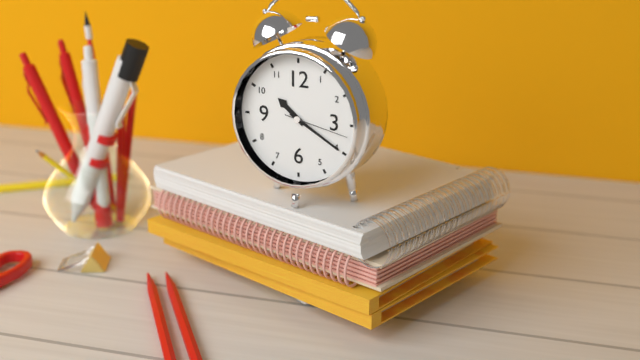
10:20:17
